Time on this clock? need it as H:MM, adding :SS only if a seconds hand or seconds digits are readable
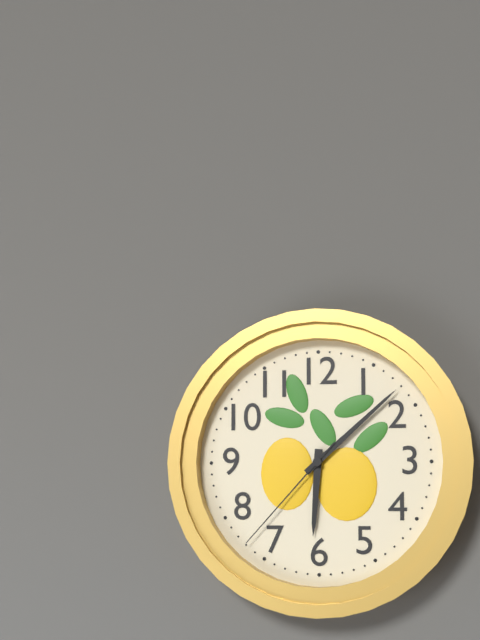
6:08:37
